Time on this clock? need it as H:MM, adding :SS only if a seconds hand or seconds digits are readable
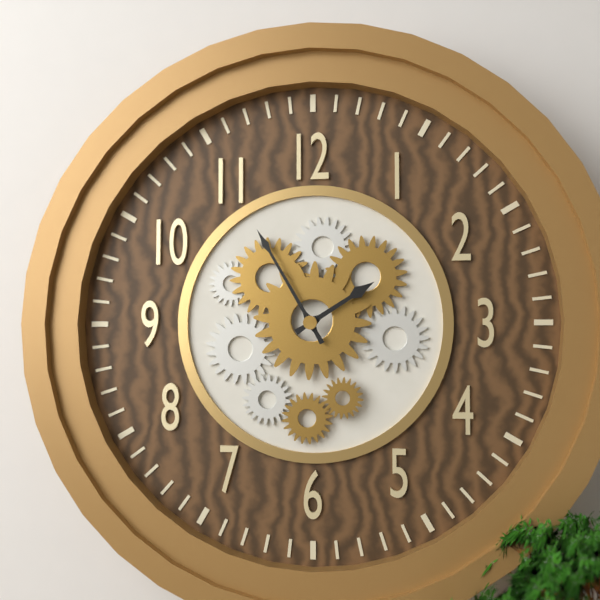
1:55
